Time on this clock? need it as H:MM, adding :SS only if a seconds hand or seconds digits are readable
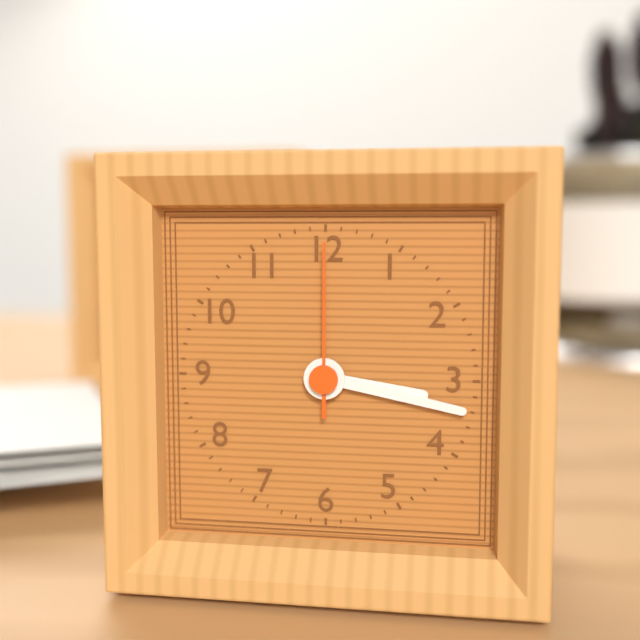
3:17:00
